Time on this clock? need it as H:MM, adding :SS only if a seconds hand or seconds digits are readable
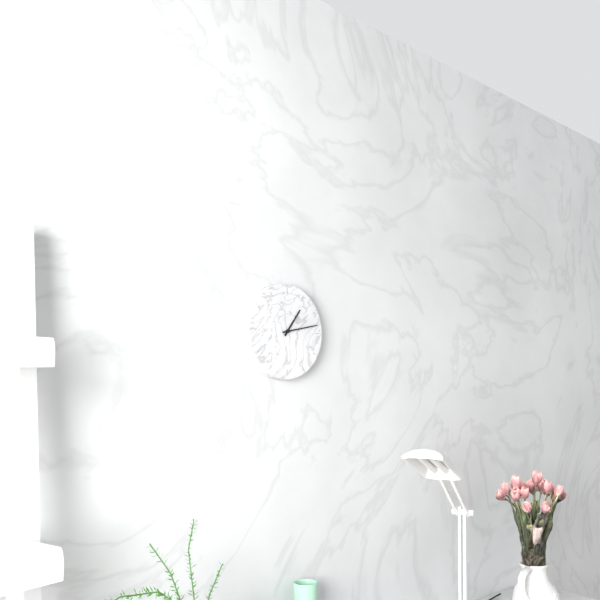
1:13
